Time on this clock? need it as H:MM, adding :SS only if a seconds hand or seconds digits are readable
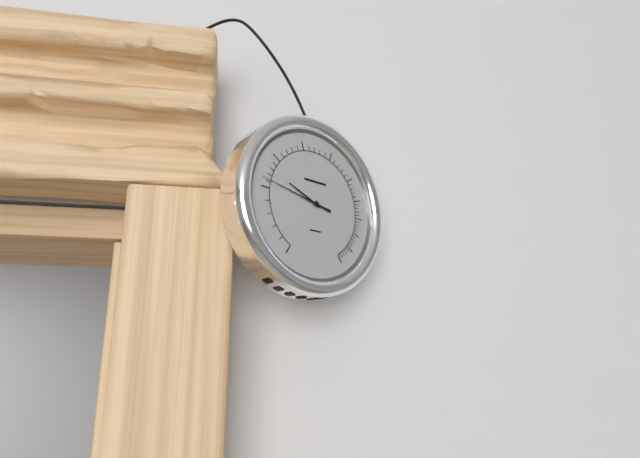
9:47
